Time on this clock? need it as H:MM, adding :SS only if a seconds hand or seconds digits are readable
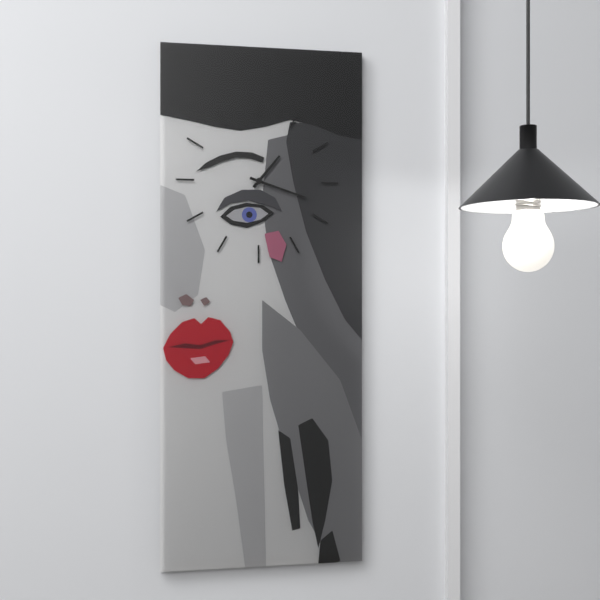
1:18
